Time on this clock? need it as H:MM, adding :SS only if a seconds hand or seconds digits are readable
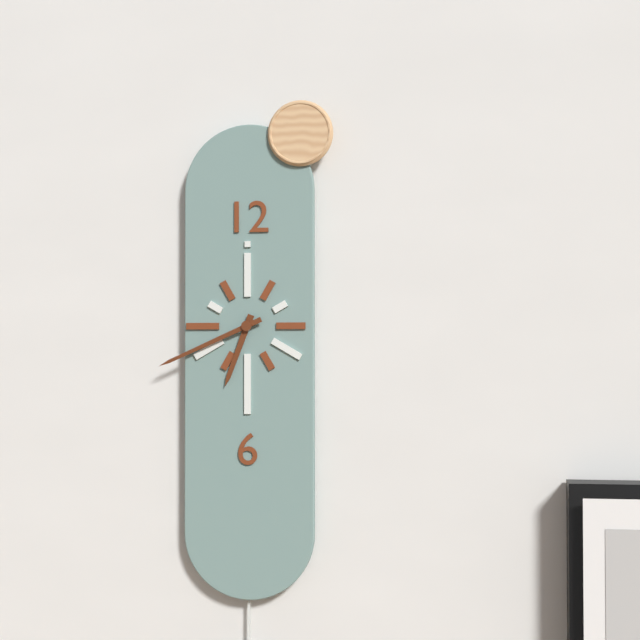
6:41
